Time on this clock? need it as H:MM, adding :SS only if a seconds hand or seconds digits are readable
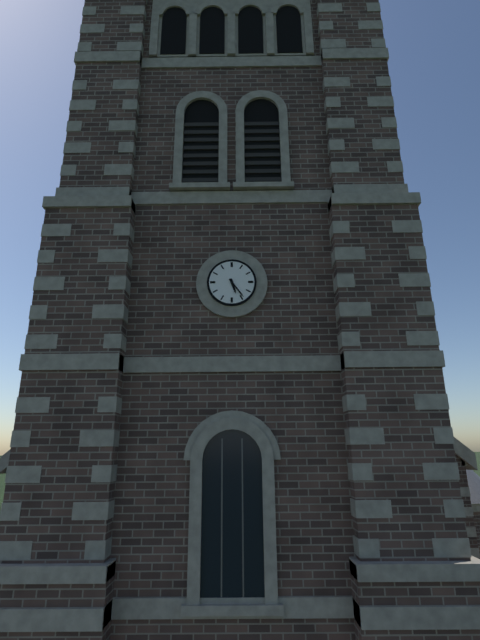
5:24
